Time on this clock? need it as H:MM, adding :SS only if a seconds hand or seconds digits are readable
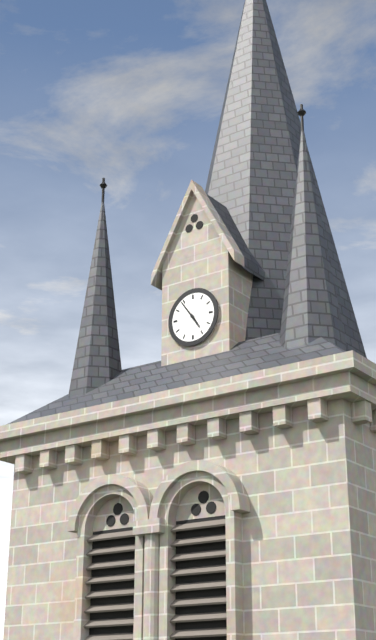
4:54
